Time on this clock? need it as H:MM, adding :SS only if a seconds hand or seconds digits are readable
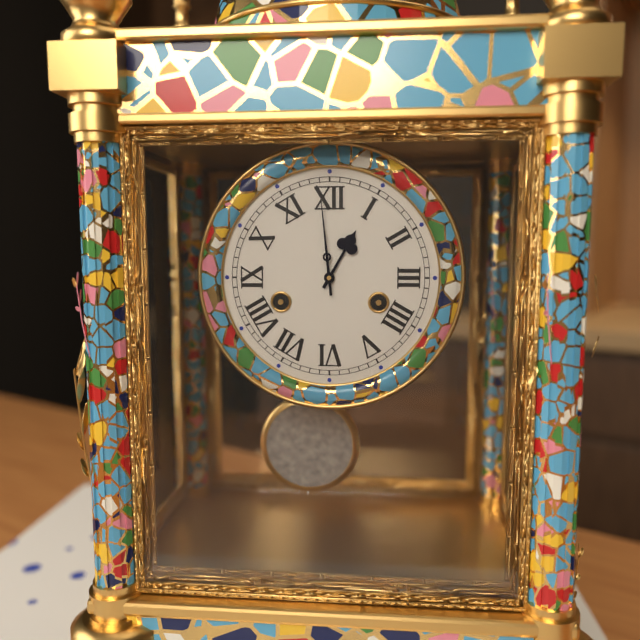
12:59
